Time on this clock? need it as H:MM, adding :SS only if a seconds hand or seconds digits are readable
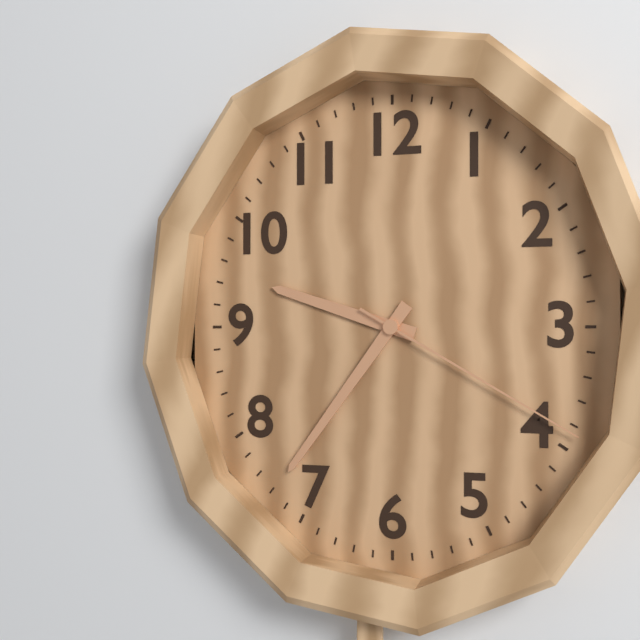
9:36:20
